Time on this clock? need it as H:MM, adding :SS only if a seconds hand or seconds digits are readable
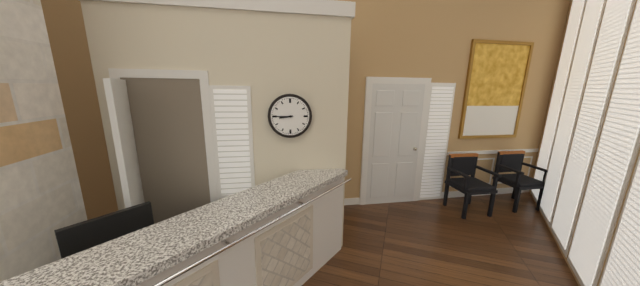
8:45
